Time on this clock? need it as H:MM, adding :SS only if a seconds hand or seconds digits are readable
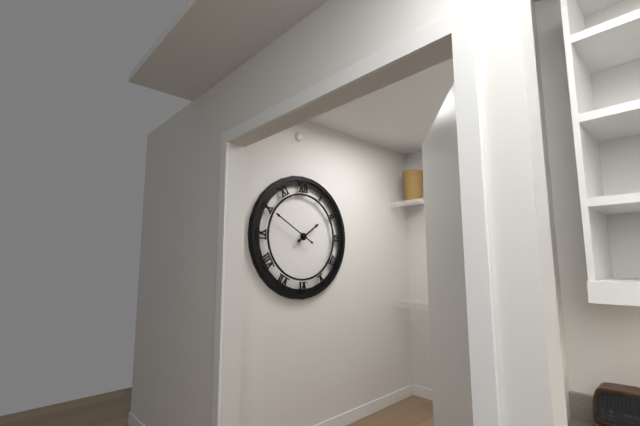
1:50
